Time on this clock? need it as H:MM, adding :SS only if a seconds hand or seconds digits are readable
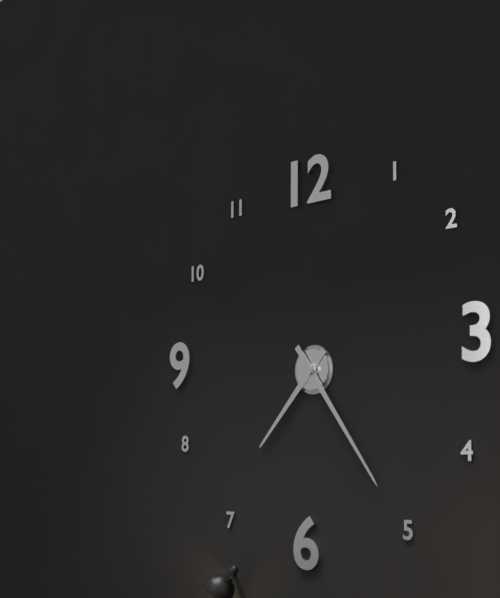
7:24
